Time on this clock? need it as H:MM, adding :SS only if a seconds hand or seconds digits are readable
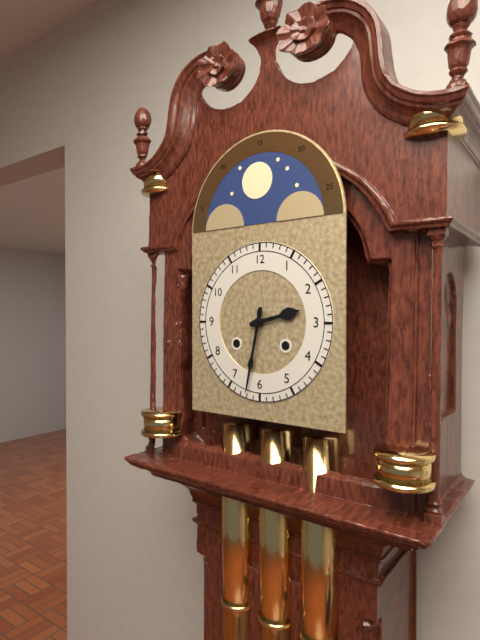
2:32
